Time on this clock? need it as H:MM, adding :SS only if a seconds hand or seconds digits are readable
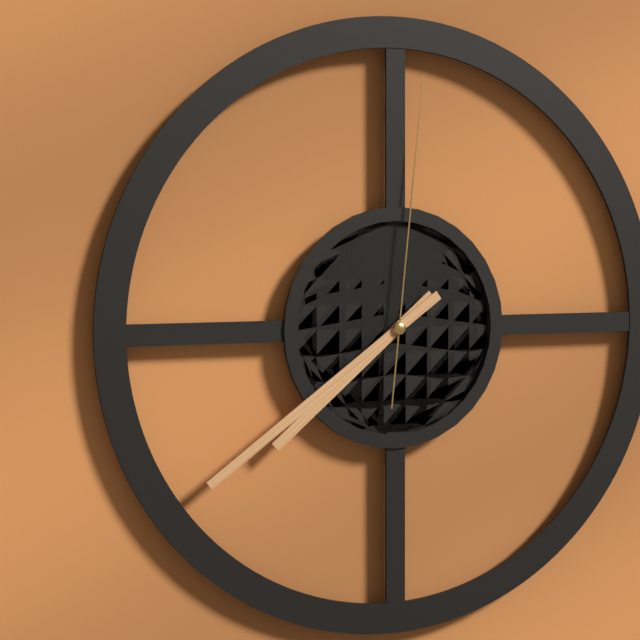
7:39:01
